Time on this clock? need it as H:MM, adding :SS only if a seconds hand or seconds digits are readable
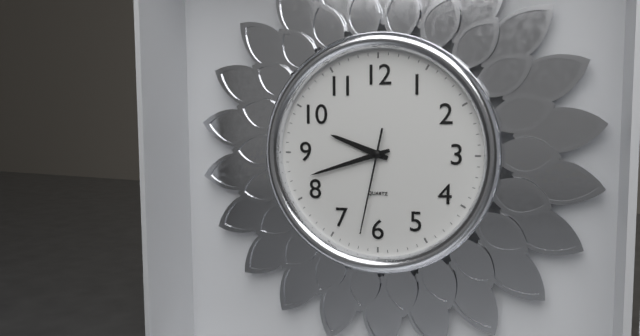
9:42:32
